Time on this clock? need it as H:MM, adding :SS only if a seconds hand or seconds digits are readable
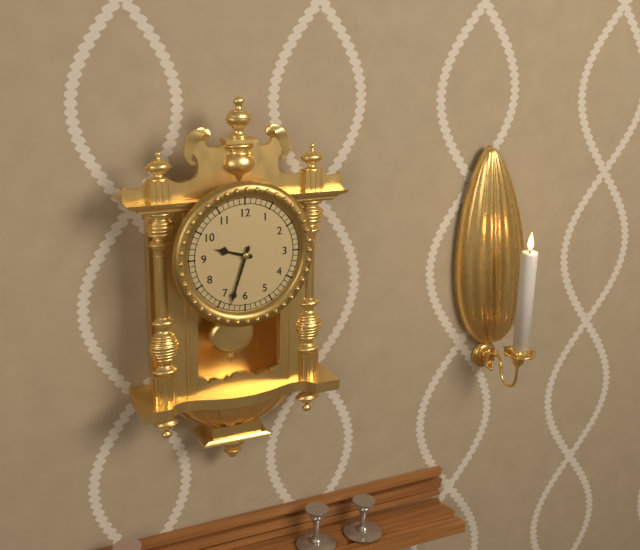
9:33
